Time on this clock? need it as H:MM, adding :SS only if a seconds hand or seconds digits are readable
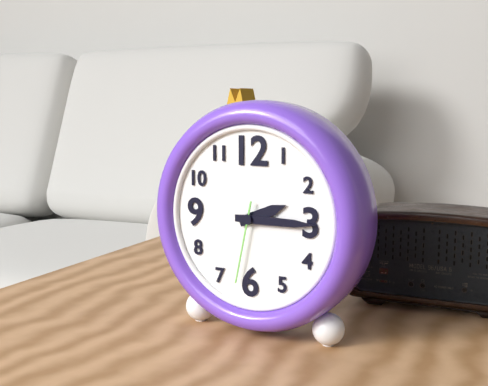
2:15:32
